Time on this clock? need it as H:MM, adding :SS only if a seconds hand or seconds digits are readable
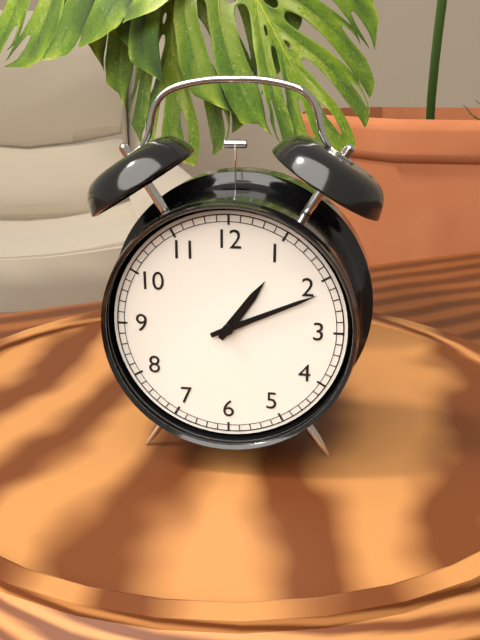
1:11
